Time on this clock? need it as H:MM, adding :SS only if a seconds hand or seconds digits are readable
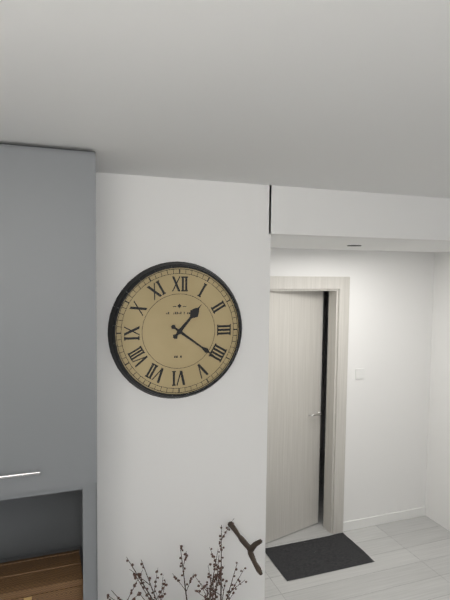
1:21
